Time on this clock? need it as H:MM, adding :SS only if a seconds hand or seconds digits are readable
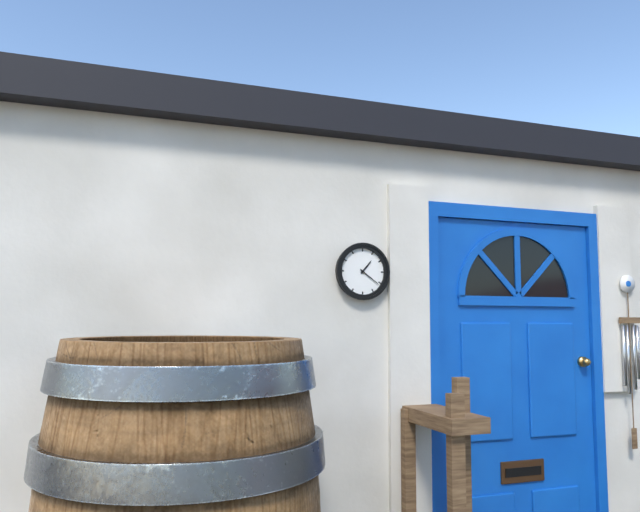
1:21
